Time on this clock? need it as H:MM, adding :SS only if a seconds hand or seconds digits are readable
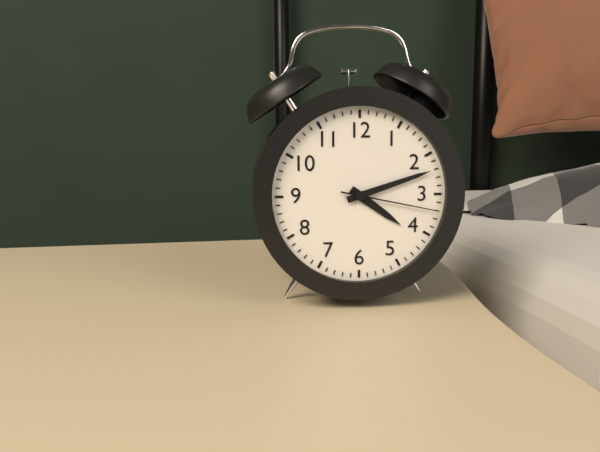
4:12:17
